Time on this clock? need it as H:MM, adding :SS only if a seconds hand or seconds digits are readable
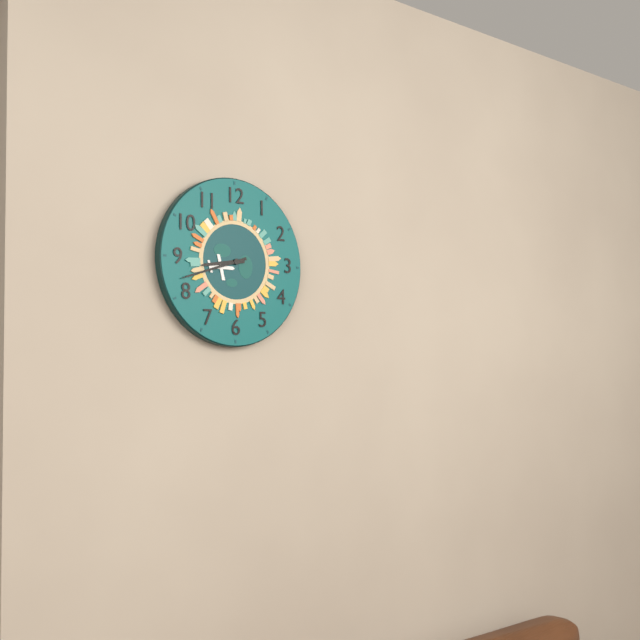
8:42
